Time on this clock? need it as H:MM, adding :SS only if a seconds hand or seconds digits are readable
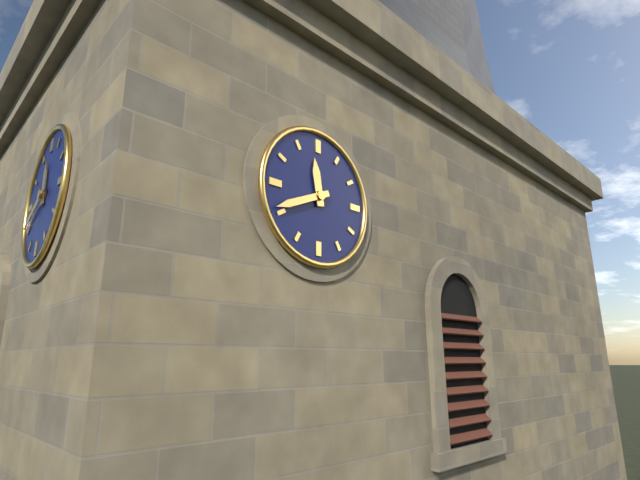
11:41
